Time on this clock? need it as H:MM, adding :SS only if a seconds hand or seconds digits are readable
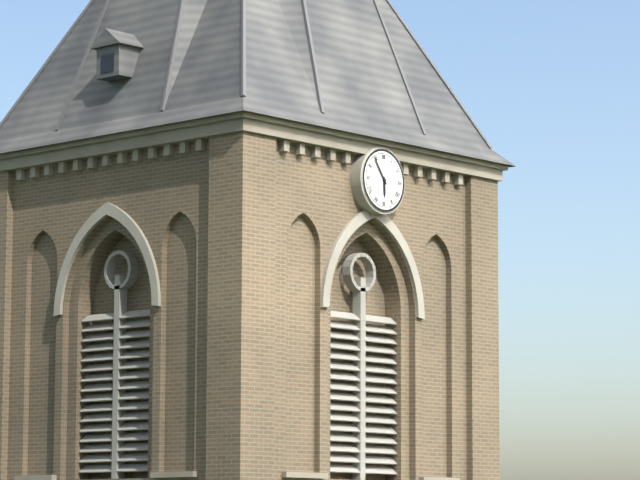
5:54
